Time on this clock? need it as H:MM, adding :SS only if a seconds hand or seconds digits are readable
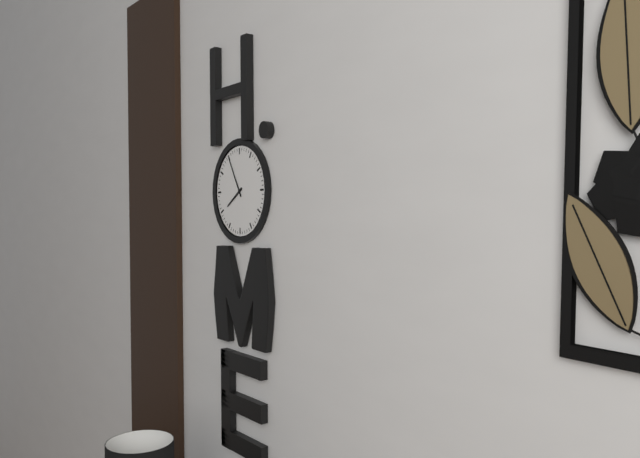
7:55
